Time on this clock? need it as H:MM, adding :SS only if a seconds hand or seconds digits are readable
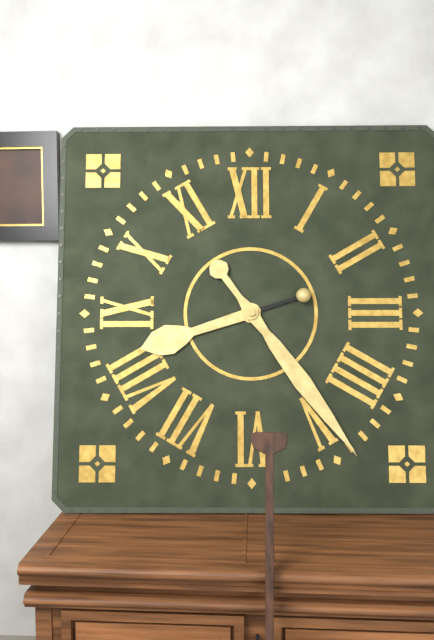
8:24
